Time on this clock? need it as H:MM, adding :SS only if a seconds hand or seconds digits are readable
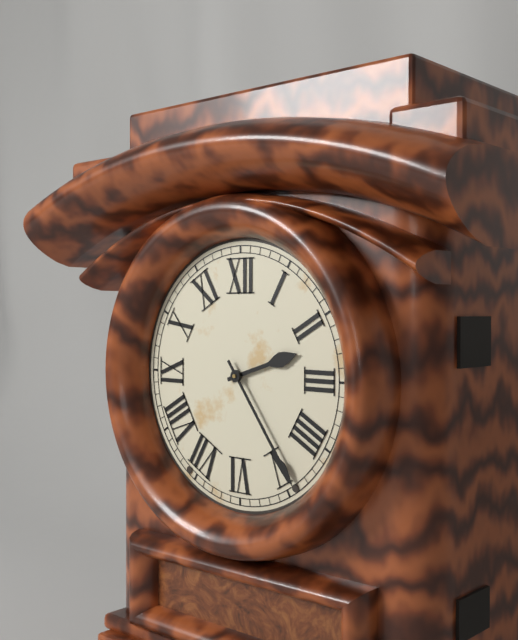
2:24
